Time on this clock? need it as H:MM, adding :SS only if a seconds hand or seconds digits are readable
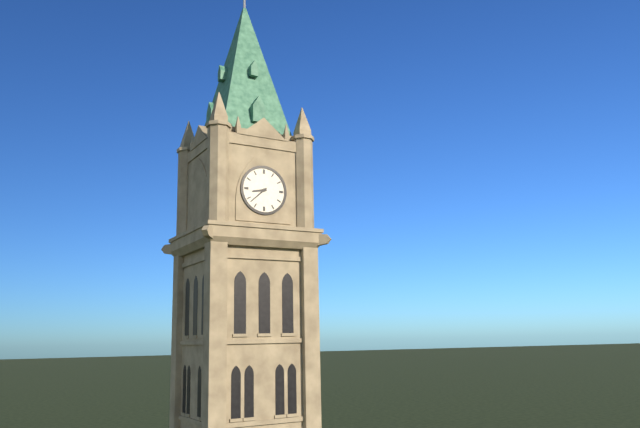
8:38
